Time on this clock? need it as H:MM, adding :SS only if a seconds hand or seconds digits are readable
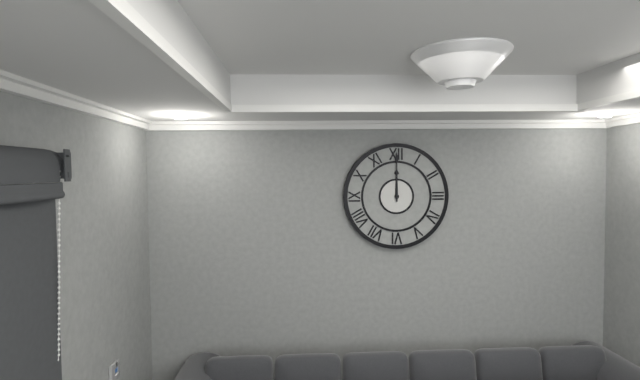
12:00
